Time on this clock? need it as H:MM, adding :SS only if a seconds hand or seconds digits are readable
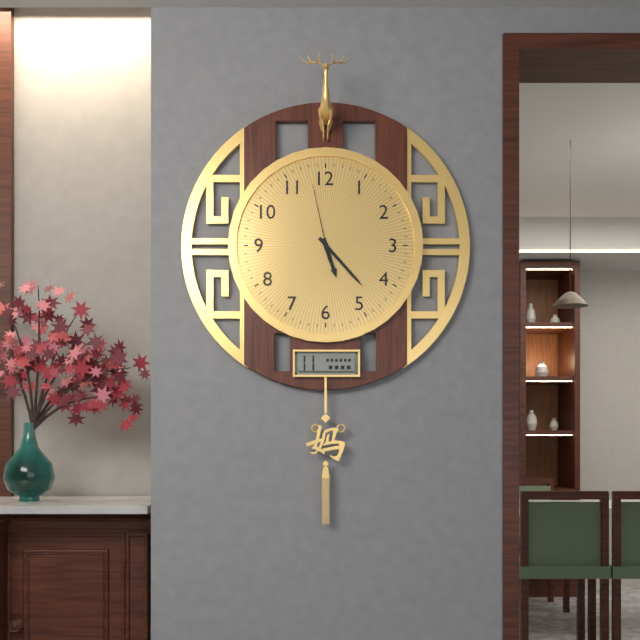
5:23:58
